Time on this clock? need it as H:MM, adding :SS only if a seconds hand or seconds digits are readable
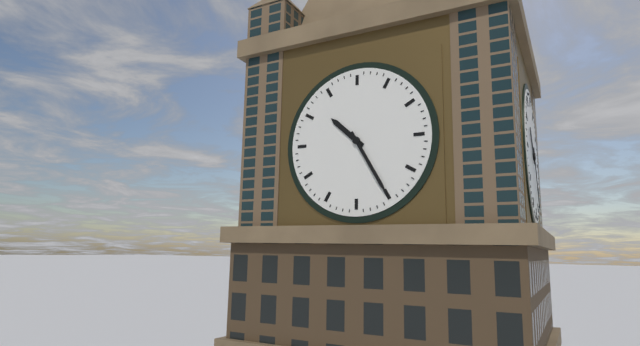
10:25
